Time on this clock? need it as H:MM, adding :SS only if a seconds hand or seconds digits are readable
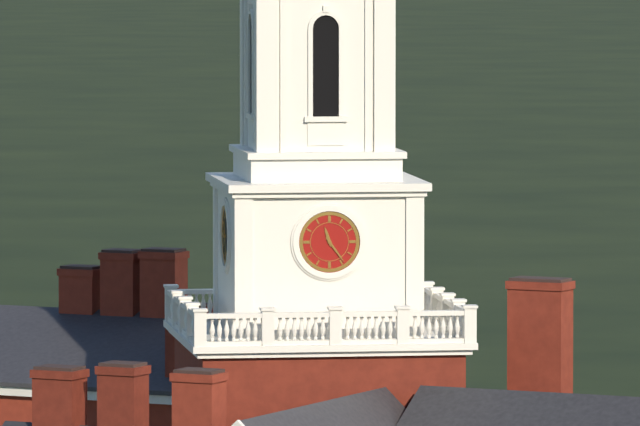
11:24
